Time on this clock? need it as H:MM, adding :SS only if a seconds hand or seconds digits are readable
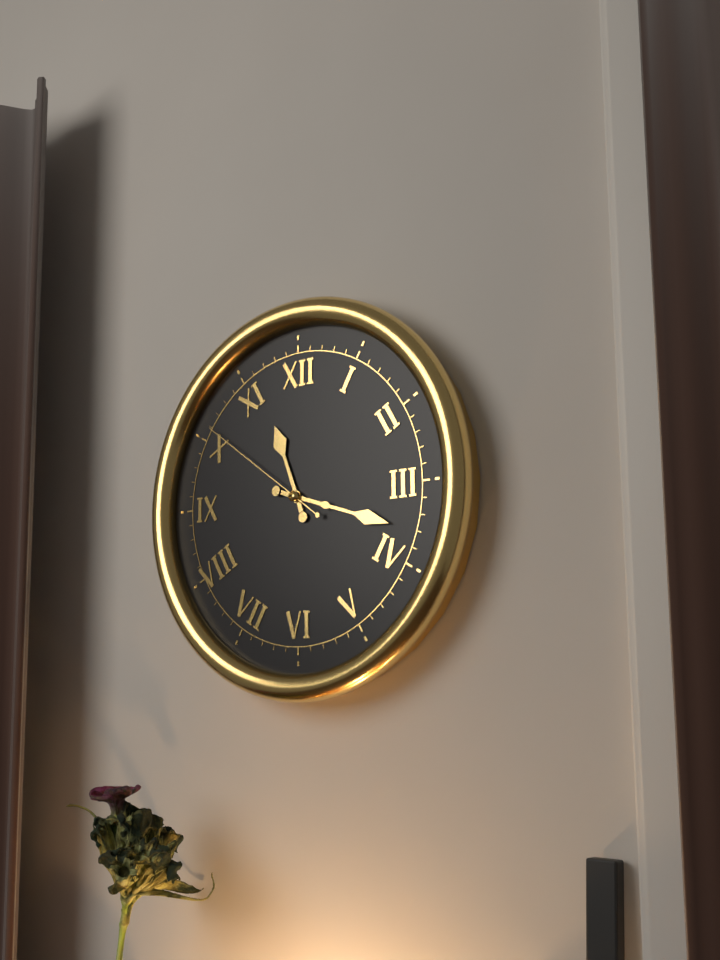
11:18:51
